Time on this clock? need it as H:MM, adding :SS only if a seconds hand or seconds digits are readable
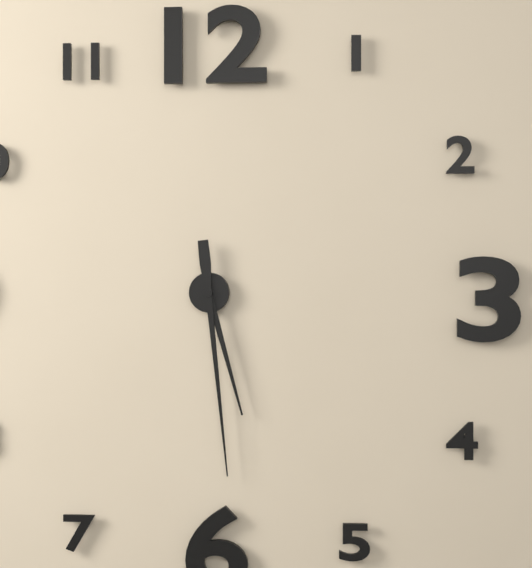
5:29
